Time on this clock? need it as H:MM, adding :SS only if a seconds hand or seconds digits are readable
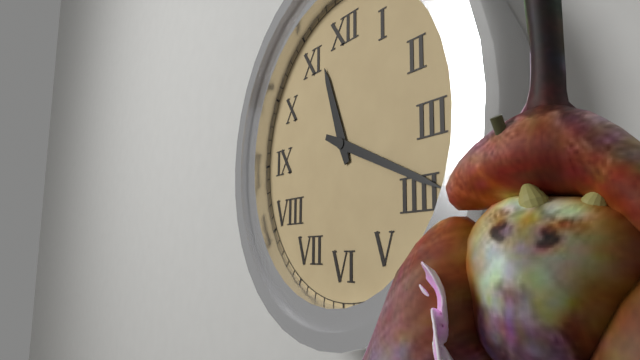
11:19
